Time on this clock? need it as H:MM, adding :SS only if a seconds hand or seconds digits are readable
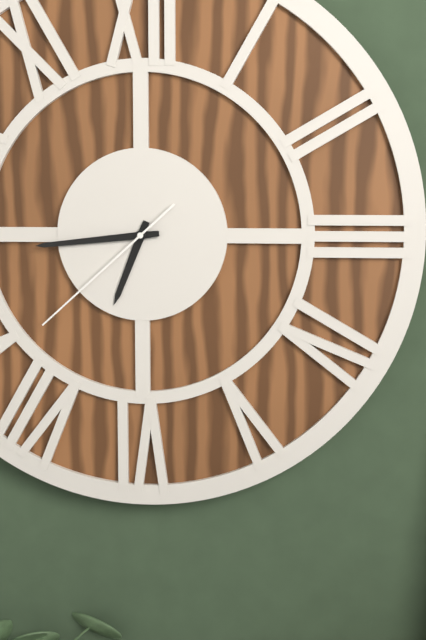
6:44:38
